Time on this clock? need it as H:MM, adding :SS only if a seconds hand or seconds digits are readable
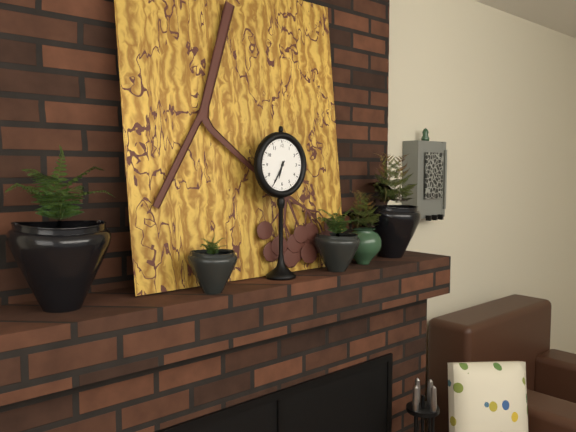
6:35
